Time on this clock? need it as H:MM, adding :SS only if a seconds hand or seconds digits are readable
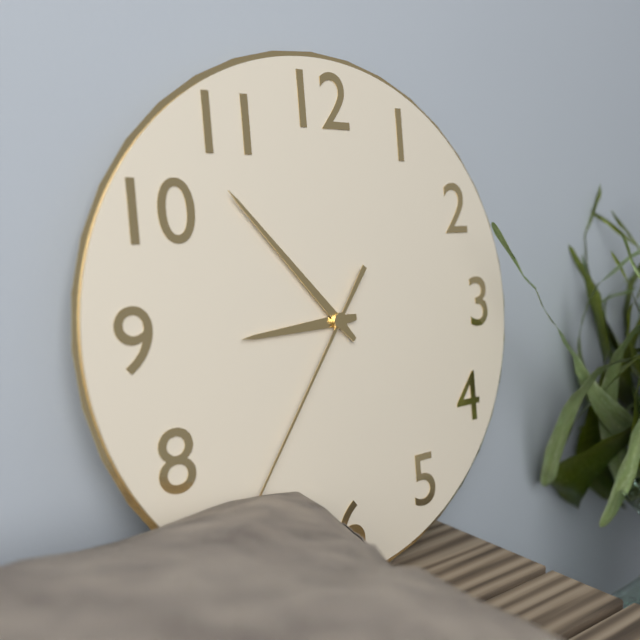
8:53:36
